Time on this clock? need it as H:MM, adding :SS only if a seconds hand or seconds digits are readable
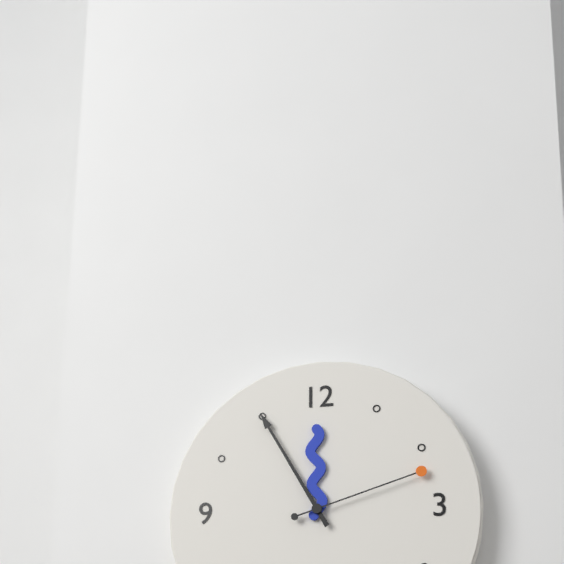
11:55:12
